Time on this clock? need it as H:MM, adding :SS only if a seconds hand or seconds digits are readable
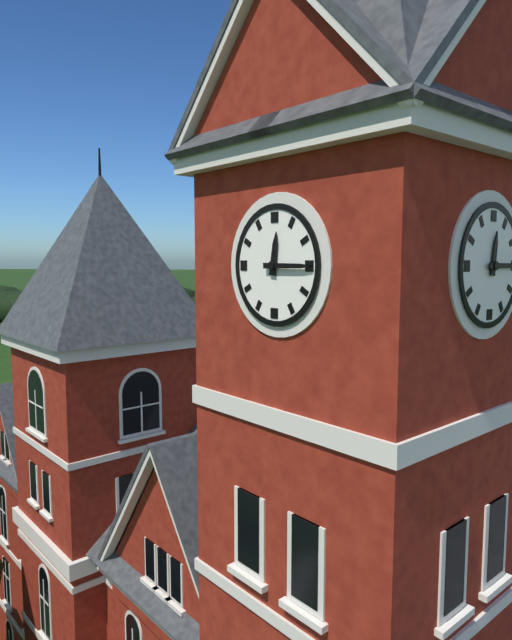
12:15
